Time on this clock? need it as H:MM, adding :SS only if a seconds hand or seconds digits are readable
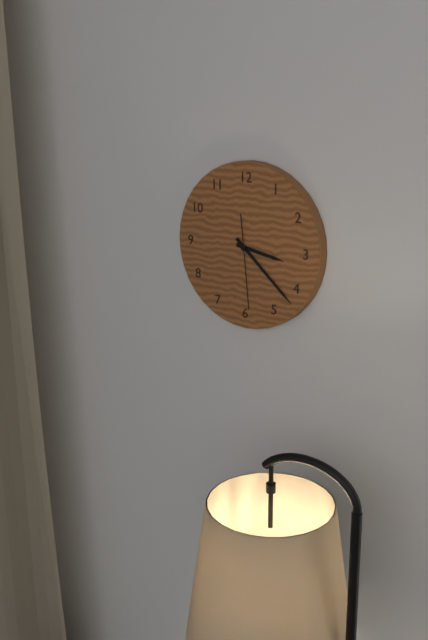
3:22:29
